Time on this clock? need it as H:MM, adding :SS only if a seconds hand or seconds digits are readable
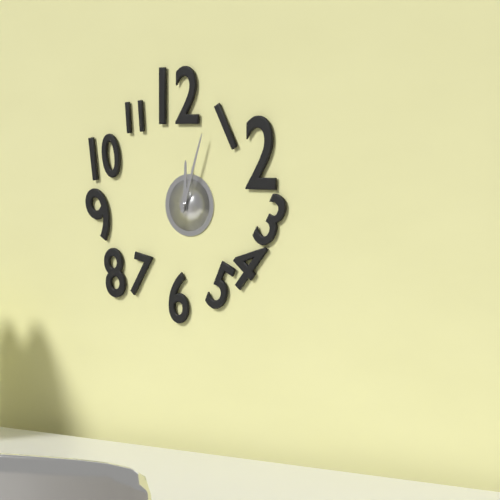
12:03
